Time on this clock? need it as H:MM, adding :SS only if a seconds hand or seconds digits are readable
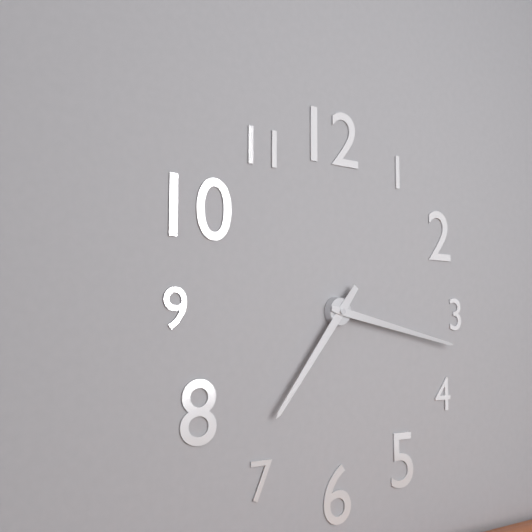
7:17
